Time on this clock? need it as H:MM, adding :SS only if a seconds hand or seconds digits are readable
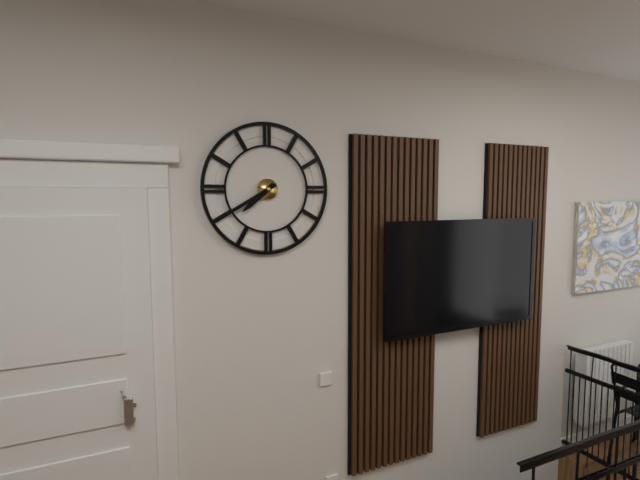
7:40
